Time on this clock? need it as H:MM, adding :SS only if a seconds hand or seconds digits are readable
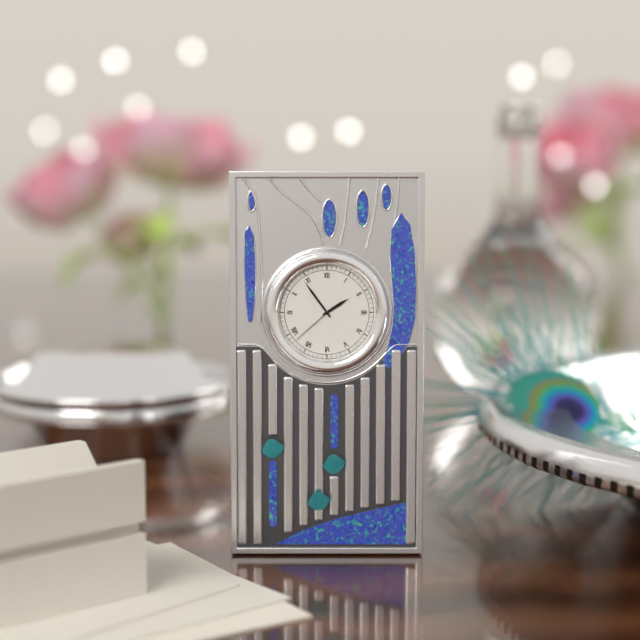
1:54:38
